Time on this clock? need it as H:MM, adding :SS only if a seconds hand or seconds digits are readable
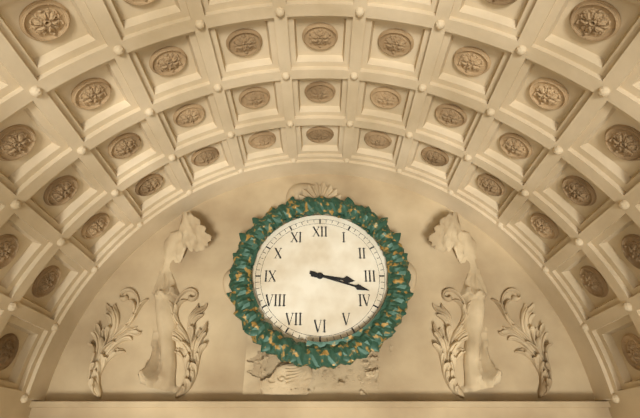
3:18
